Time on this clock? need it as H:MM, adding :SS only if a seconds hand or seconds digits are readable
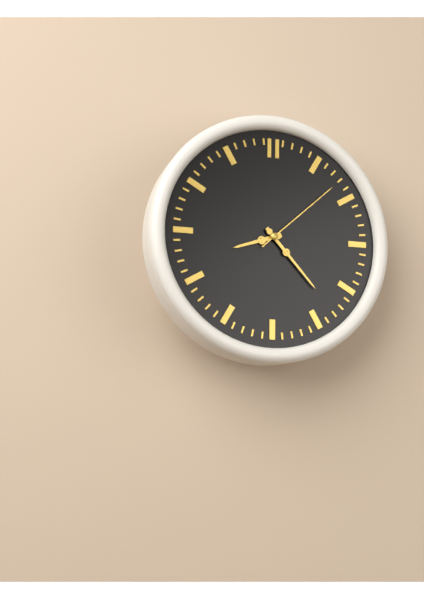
8:23:08
